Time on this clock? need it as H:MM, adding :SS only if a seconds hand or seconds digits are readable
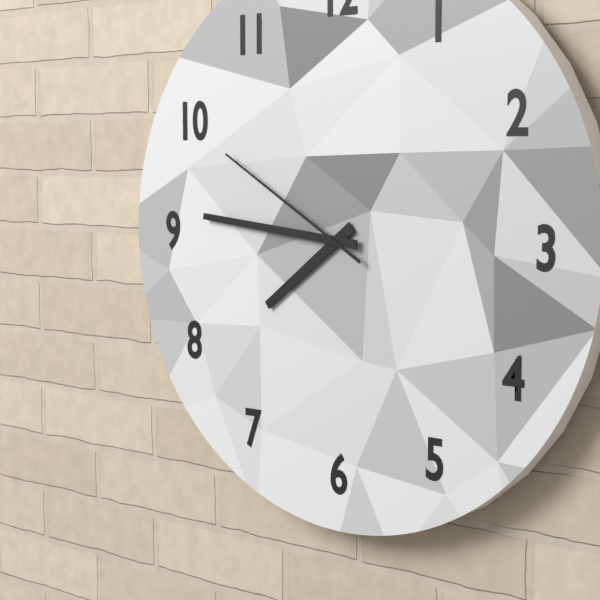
7:46:50
